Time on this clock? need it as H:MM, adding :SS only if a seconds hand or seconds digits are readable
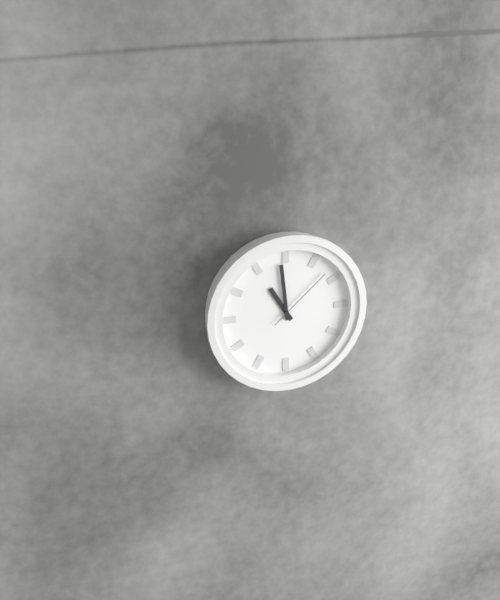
10:59:08
